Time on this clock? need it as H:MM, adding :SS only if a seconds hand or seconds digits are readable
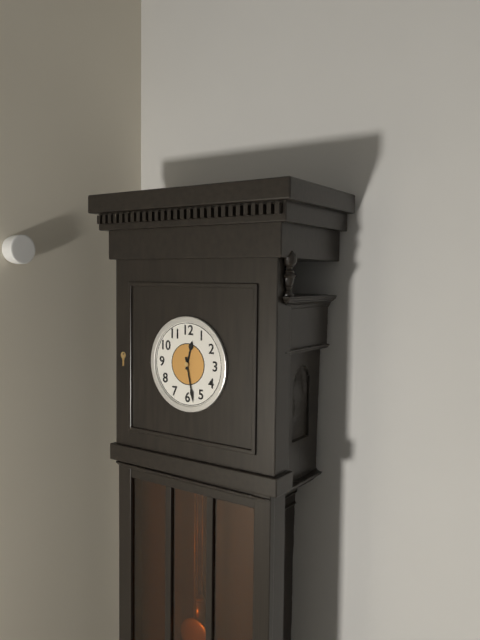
12:28
